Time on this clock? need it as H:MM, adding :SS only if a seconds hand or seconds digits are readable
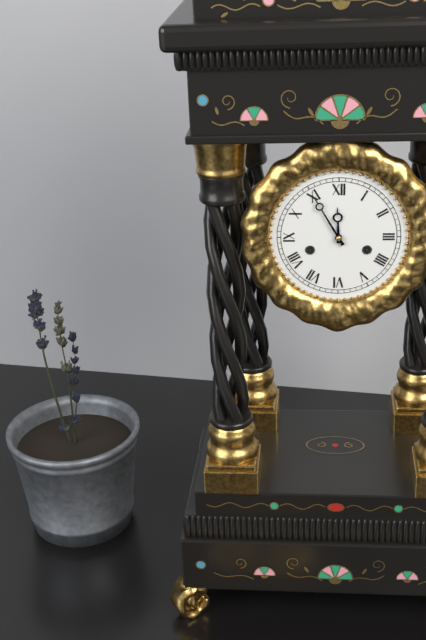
11:55
